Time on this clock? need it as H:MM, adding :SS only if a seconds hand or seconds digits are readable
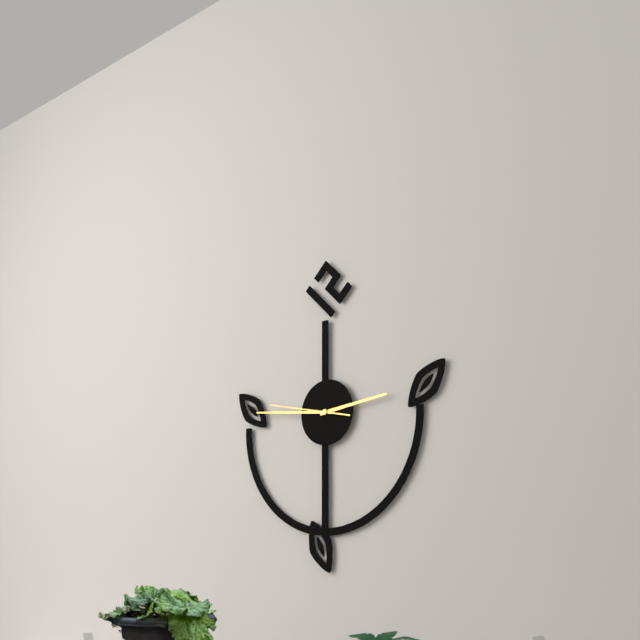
2:46:47
